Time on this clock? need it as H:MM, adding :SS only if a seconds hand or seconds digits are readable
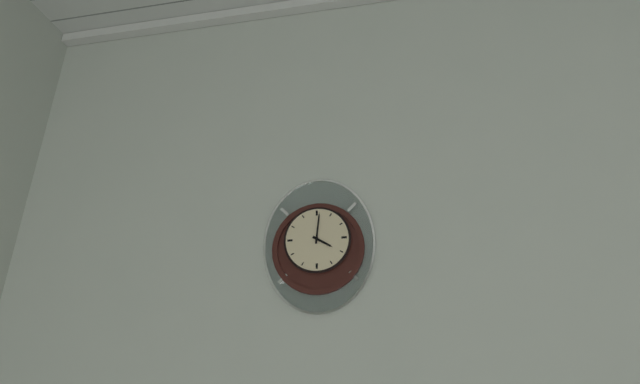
4:01
